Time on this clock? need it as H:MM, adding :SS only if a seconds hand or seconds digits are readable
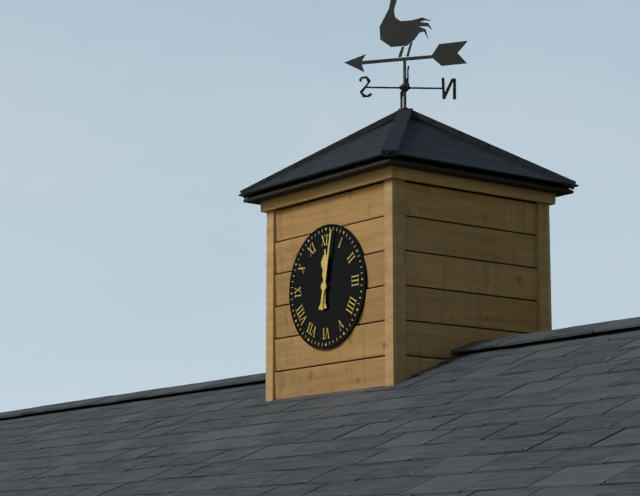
12:02
